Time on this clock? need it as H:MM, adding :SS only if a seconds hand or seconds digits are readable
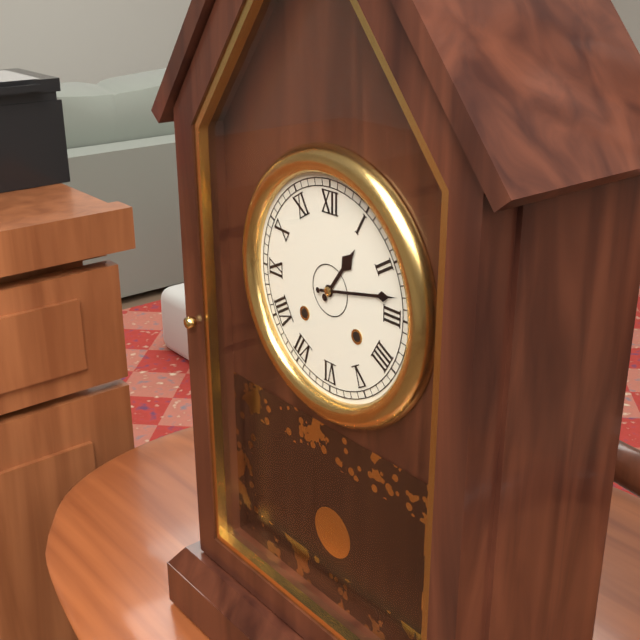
1:13
